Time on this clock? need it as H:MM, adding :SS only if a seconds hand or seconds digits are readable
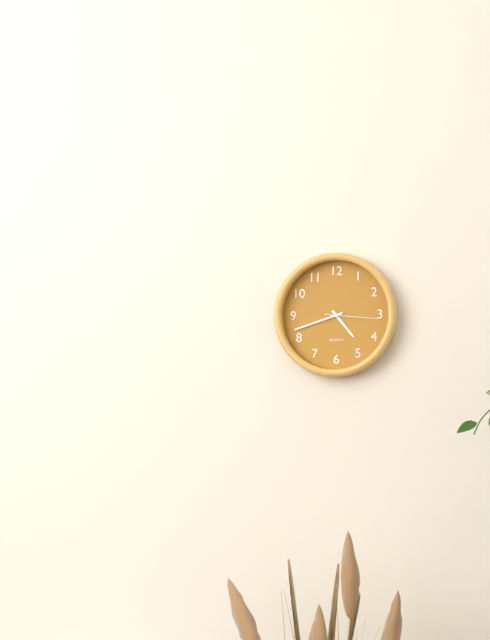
4:42:16
